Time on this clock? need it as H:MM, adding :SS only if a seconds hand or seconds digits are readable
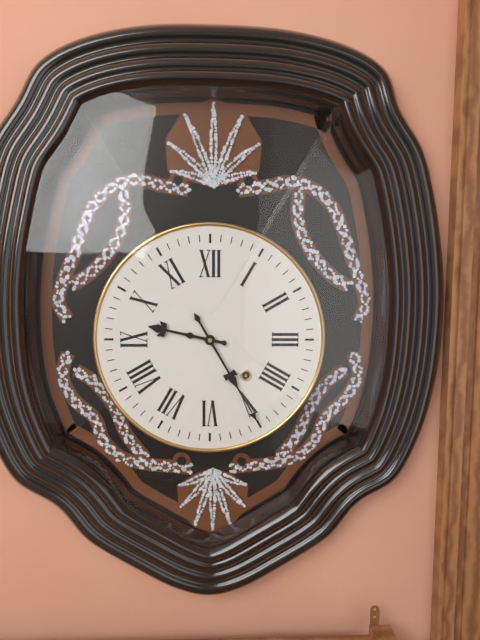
9:25
